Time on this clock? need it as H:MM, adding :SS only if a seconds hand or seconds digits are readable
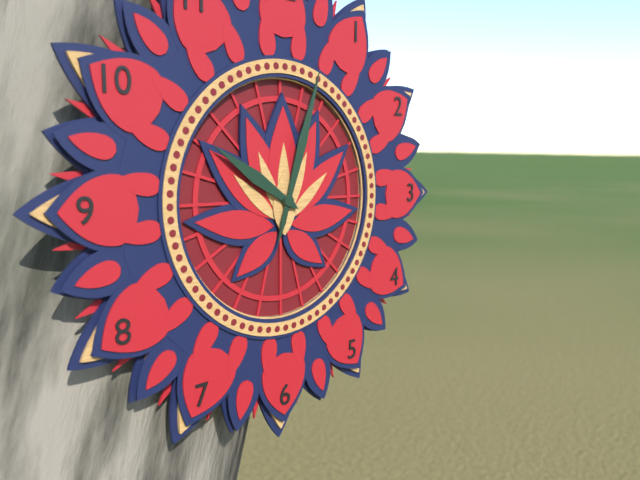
10:03
